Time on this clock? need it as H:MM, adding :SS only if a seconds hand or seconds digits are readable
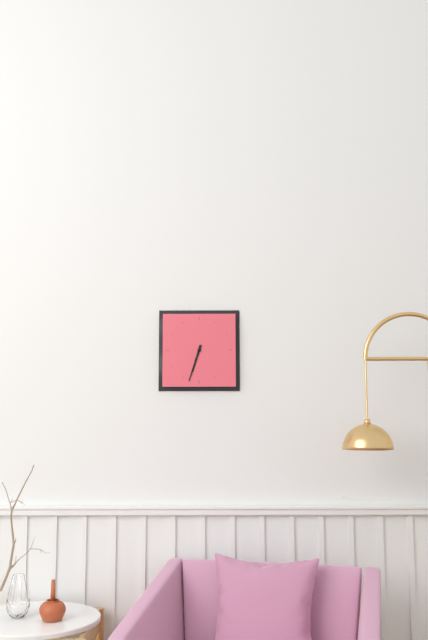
6:33
